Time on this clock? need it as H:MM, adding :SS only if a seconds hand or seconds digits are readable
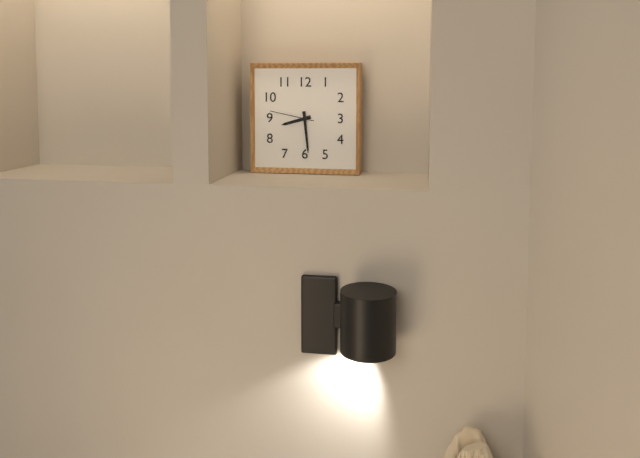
8:29
